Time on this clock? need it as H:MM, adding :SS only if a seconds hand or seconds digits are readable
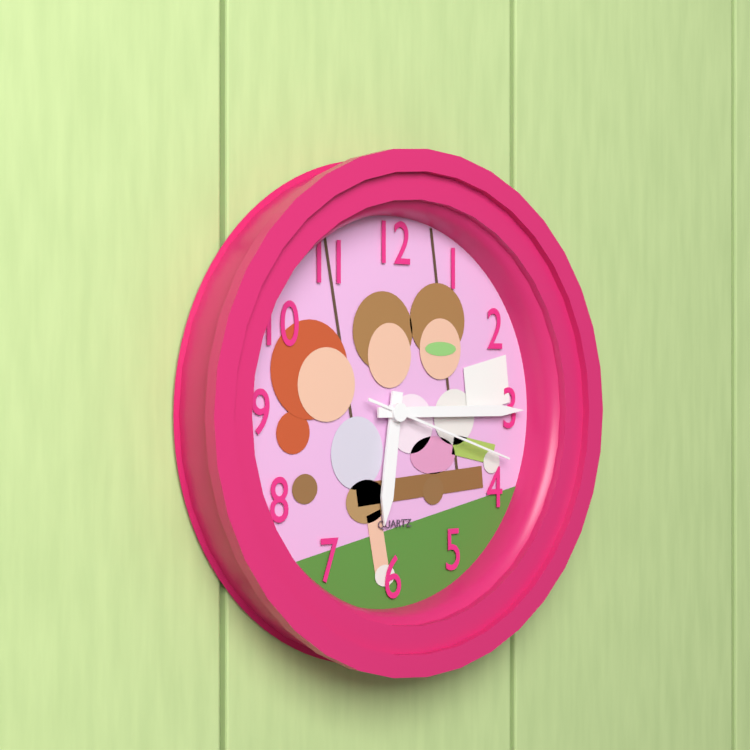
6:15:18
